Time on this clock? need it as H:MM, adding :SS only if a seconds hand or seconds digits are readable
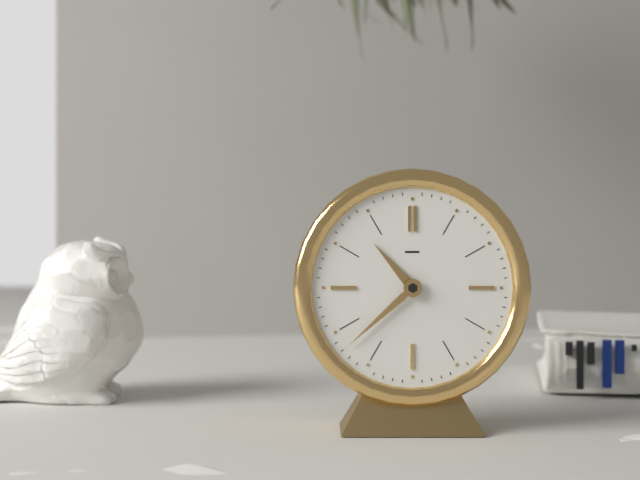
10:38
